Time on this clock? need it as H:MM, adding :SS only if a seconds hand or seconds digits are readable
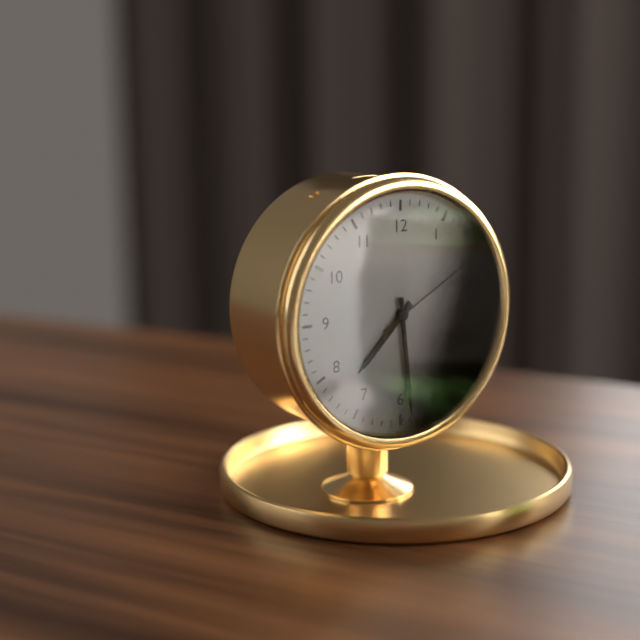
7:29:10
